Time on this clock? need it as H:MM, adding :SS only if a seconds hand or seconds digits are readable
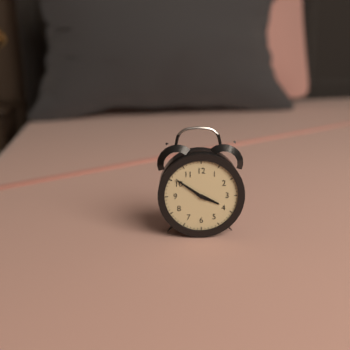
3:51
